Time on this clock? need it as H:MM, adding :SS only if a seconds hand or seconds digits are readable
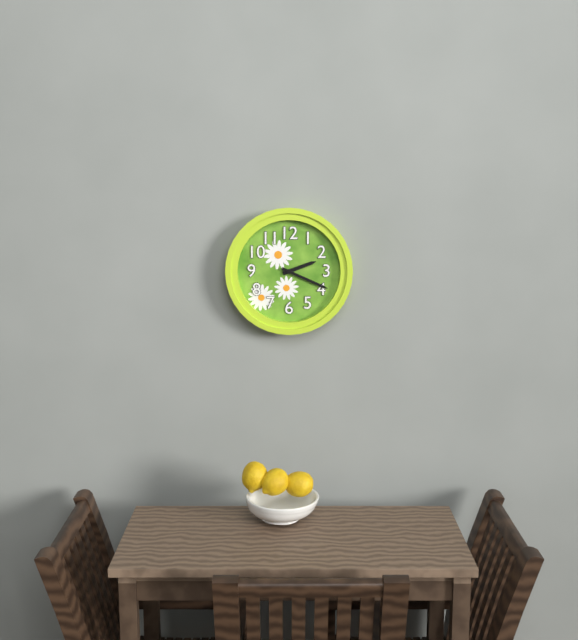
2:19
